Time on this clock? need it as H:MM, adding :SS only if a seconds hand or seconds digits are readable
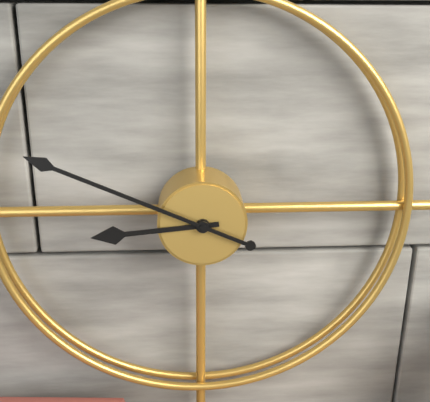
8:49
